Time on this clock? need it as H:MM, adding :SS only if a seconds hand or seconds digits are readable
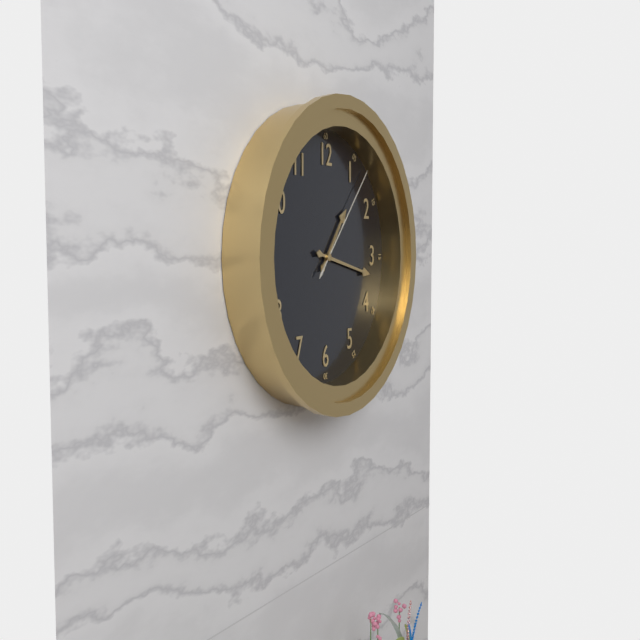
1:17:07
